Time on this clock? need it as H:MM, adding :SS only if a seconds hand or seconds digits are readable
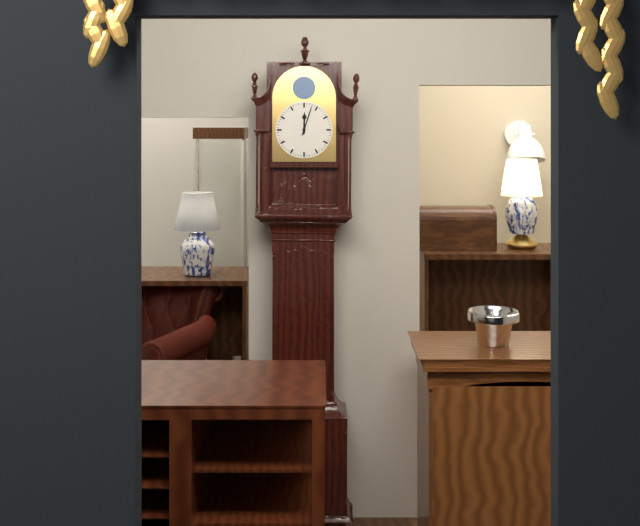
12:03
